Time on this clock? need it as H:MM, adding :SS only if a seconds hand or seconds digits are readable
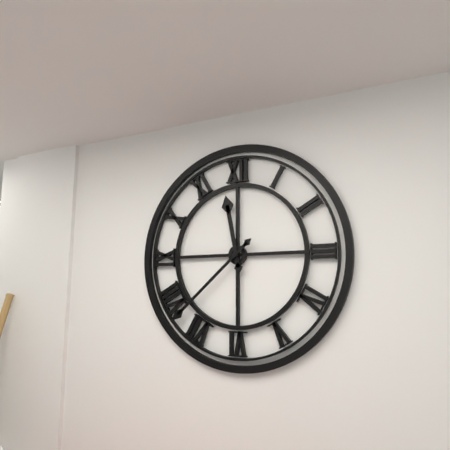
11:38
